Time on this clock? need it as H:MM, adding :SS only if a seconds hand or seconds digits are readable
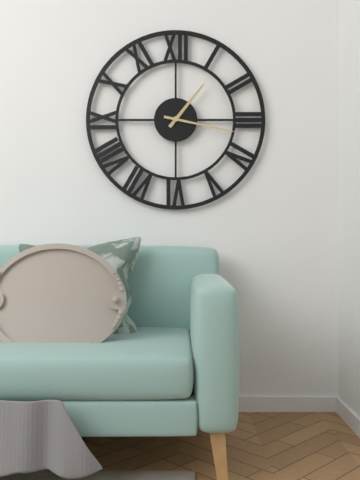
1:17
